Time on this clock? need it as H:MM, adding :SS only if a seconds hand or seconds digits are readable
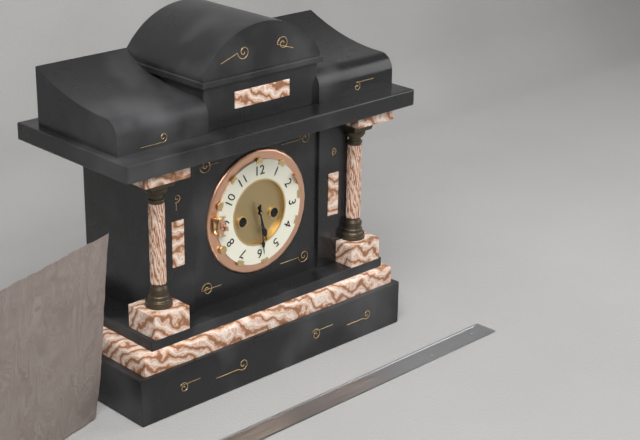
5:29
